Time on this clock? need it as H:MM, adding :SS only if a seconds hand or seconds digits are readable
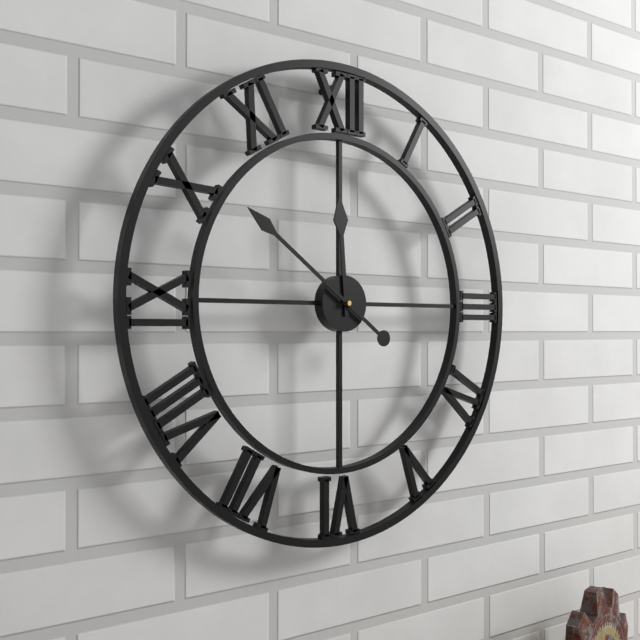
11:51
